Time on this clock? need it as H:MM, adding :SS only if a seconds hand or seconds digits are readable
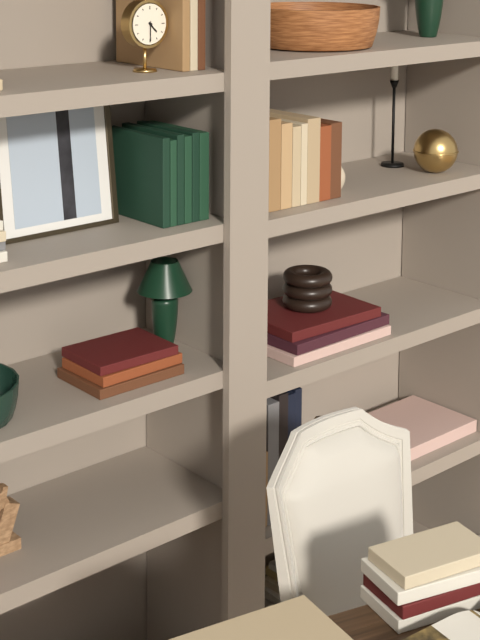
4:30
